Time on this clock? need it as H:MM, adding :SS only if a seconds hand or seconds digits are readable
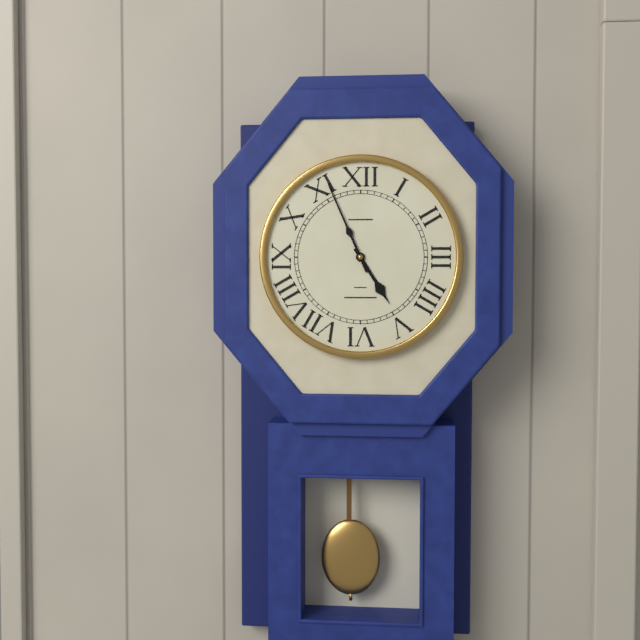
4:56
